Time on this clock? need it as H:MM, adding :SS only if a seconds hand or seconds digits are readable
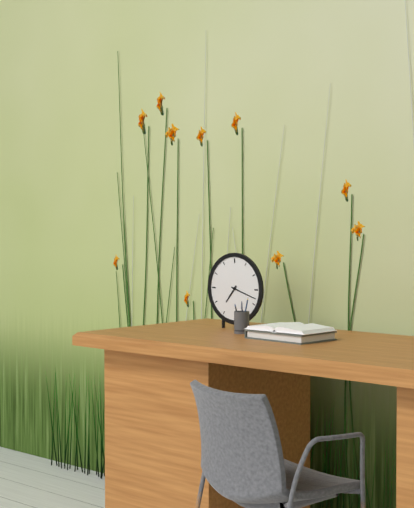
7:18
